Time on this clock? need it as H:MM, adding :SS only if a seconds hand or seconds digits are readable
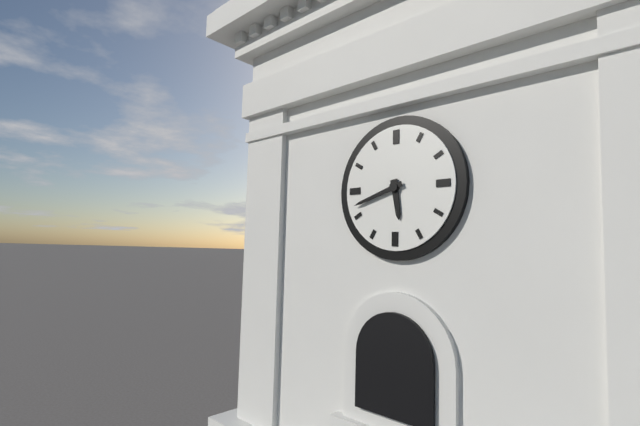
5:42
